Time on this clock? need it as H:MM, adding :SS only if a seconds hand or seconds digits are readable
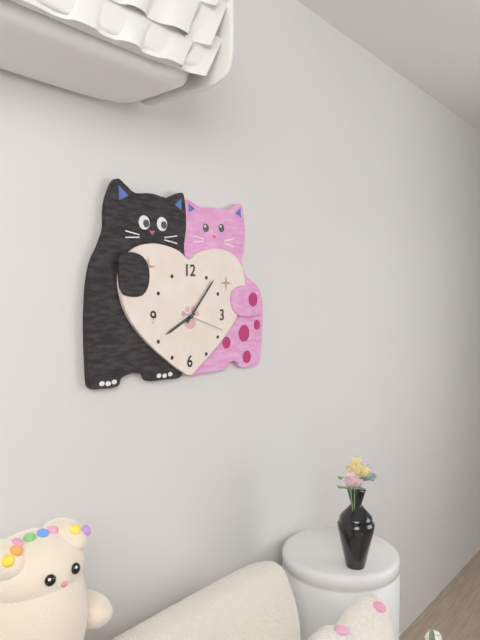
8:07:18
